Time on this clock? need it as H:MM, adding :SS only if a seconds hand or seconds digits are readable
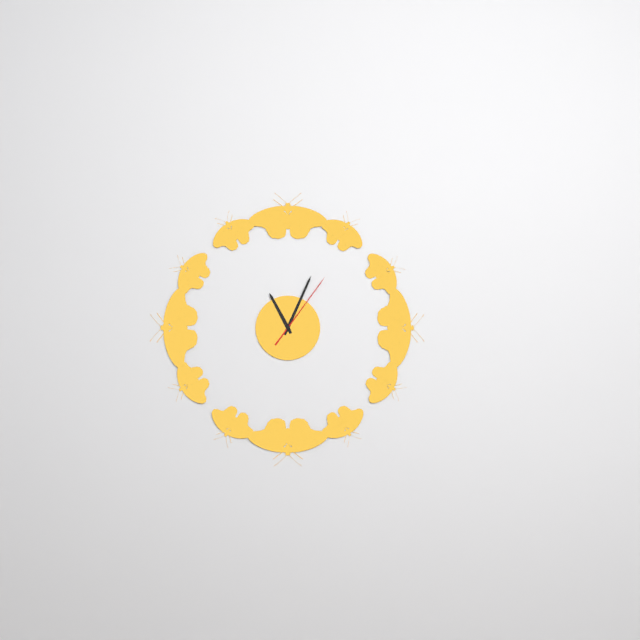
11:04:06
